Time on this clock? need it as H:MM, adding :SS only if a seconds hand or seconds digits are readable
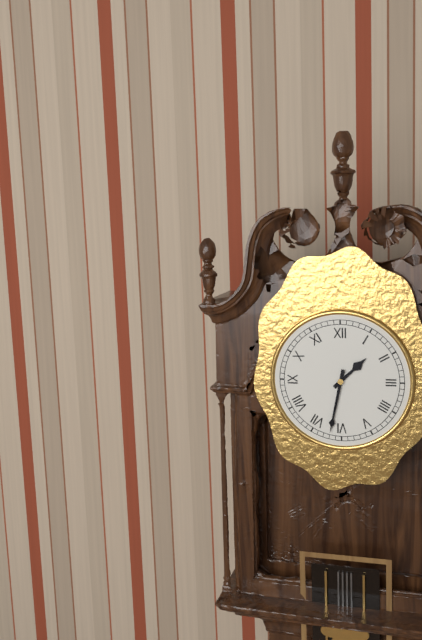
1:32
